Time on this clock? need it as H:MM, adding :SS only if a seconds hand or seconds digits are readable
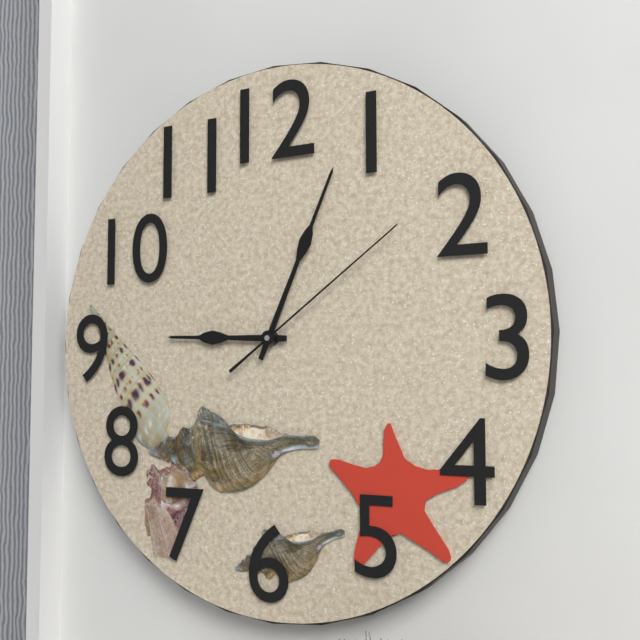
9:04:09
